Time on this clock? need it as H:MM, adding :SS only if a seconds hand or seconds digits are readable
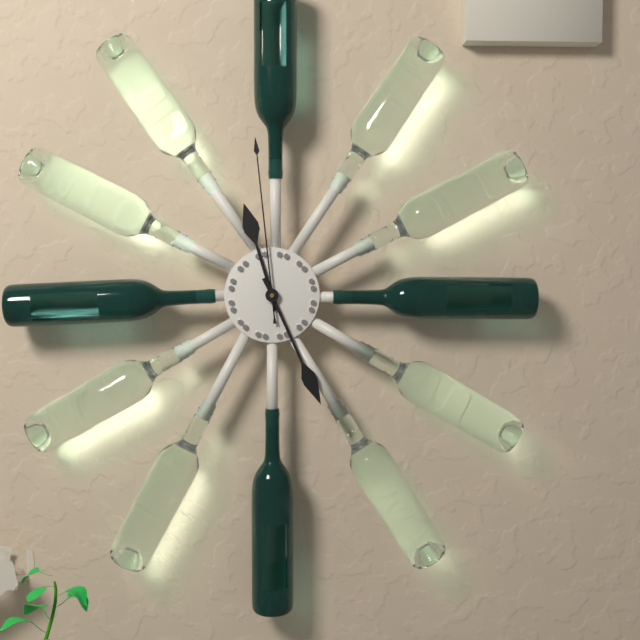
11:26:59
